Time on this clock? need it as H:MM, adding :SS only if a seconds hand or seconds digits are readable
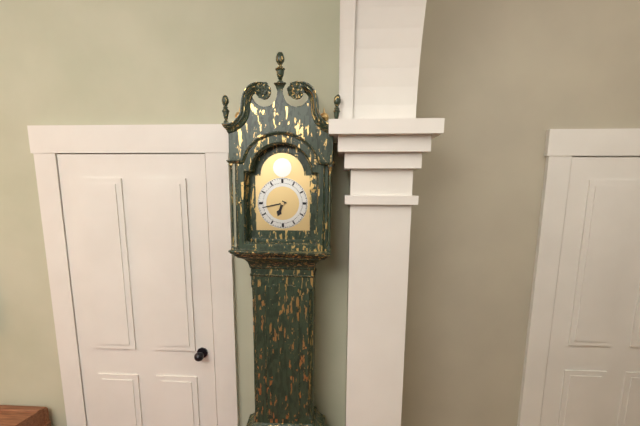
6:43
